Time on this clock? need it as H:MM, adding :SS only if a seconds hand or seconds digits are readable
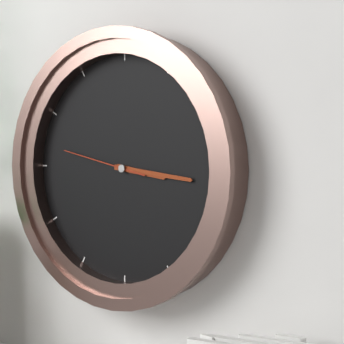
3:16:47
